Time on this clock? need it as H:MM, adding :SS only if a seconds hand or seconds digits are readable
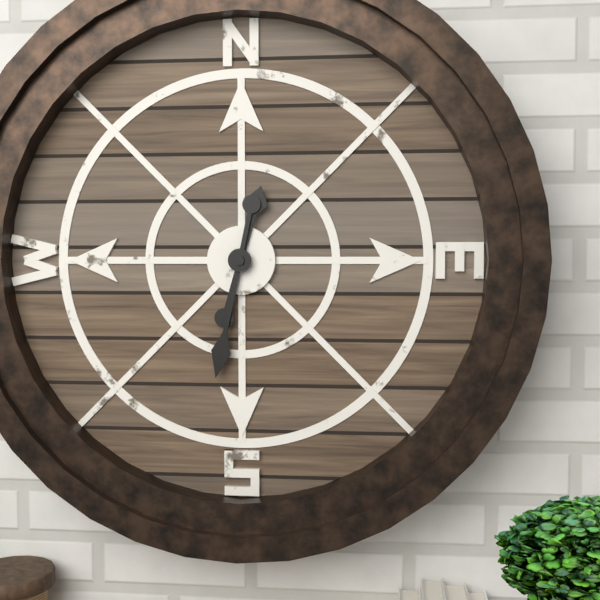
12:32
